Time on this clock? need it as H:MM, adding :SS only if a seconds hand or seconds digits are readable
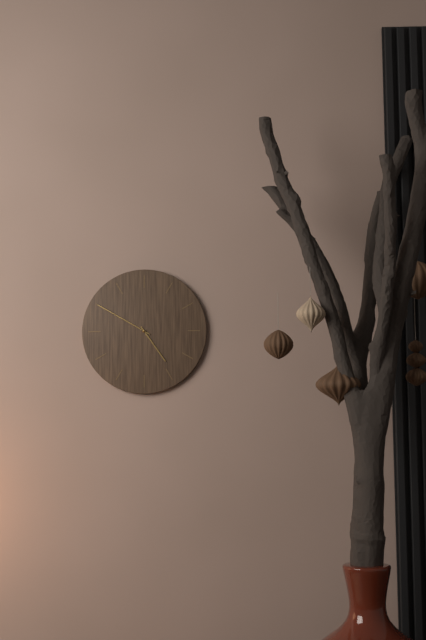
4:50
